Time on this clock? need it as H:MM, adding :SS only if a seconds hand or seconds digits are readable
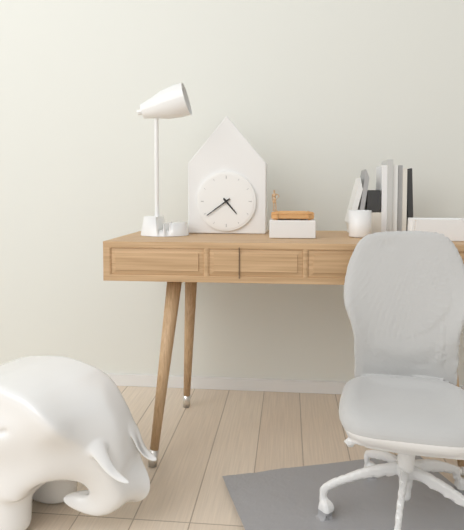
4:39
